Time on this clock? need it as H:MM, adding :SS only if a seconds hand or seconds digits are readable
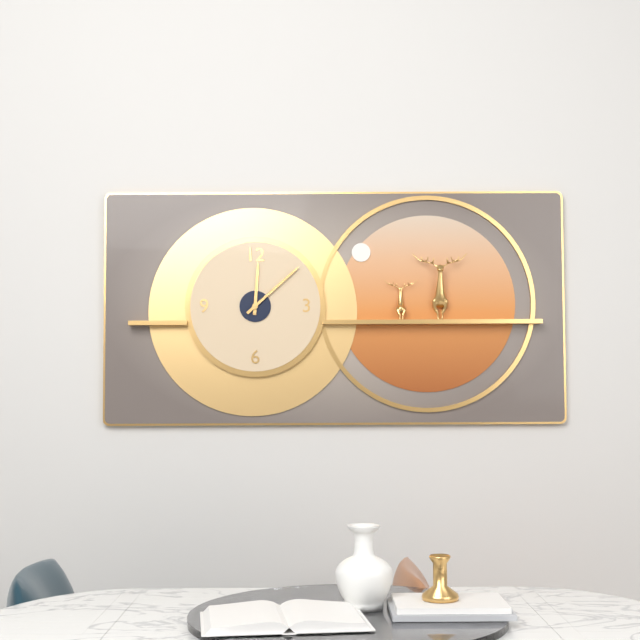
12:08
